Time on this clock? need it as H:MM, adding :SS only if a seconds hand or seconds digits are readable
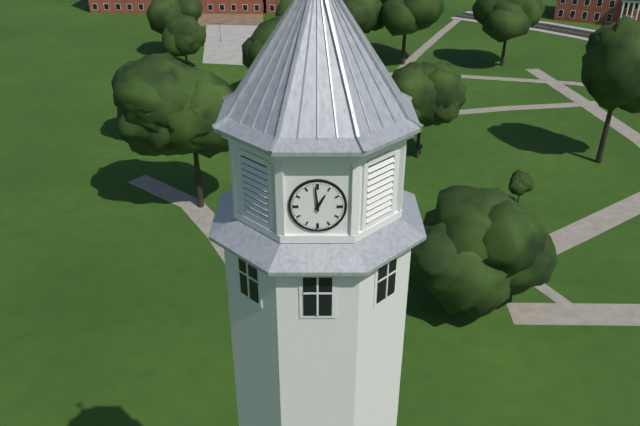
12:59
